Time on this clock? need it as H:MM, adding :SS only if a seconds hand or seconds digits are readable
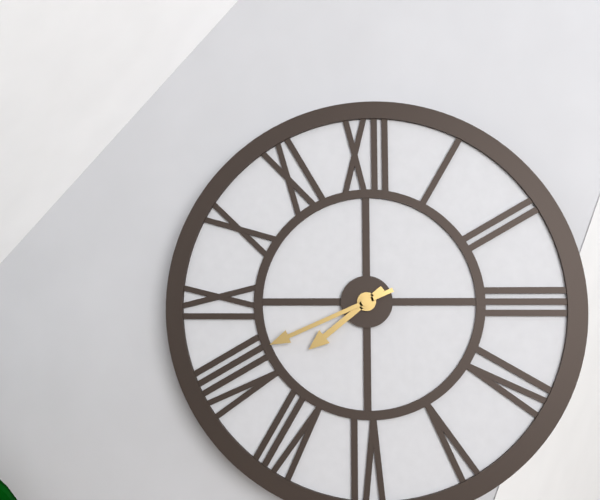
7:41
